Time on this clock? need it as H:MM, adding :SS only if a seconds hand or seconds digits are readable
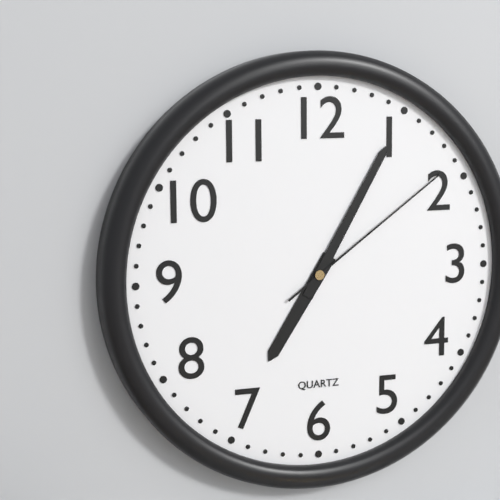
7:05:09
